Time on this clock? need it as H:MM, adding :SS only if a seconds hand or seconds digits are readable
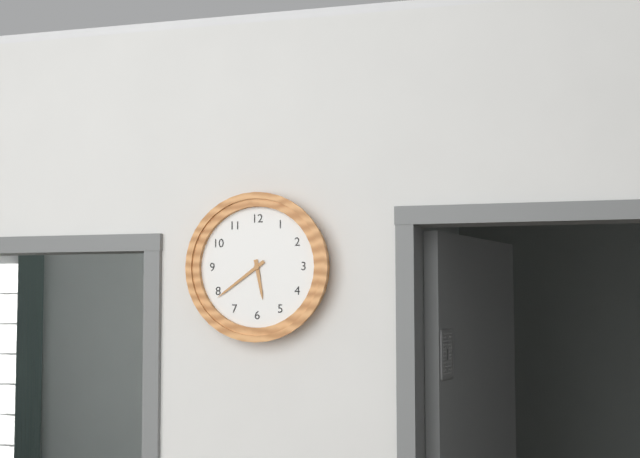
5:39
